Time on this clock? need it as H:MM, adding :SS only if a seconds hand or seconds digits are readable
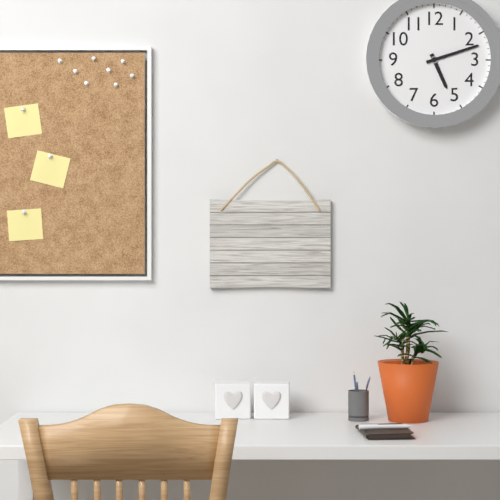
5:12
